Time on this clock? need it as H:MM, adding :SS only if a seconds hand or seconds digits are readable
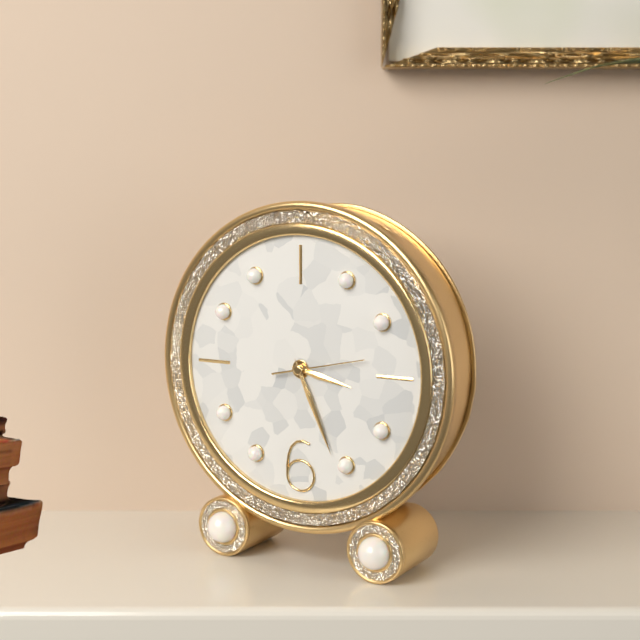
3:26:13
